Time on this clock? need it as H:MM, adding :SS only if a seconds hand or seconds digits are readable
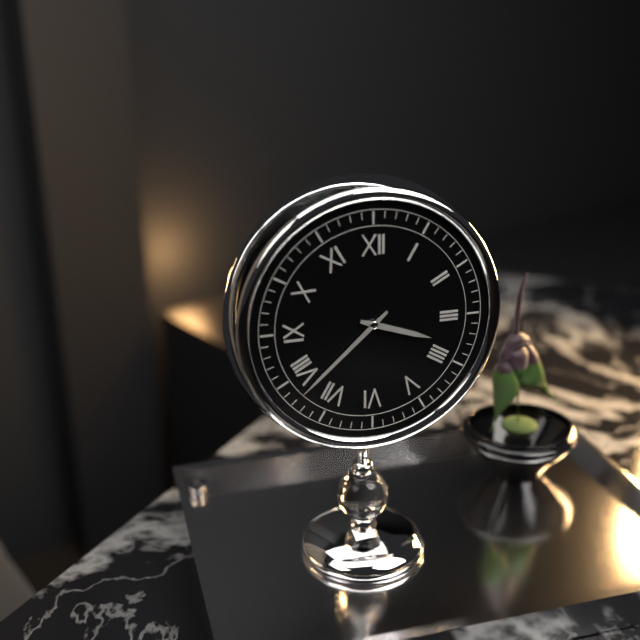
3:38
